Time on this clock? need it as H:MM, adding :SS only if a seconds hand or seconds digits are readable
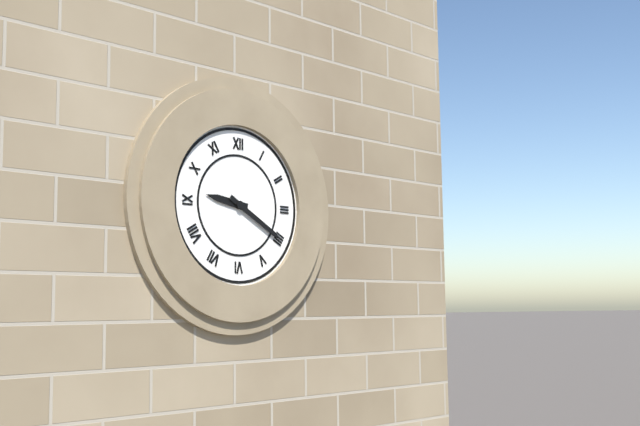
9:20
